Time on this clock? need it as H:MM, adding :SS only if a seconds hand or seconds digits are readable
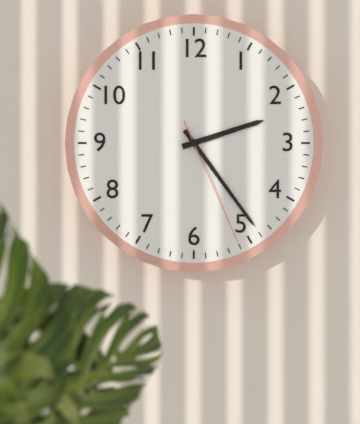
2:24:26
